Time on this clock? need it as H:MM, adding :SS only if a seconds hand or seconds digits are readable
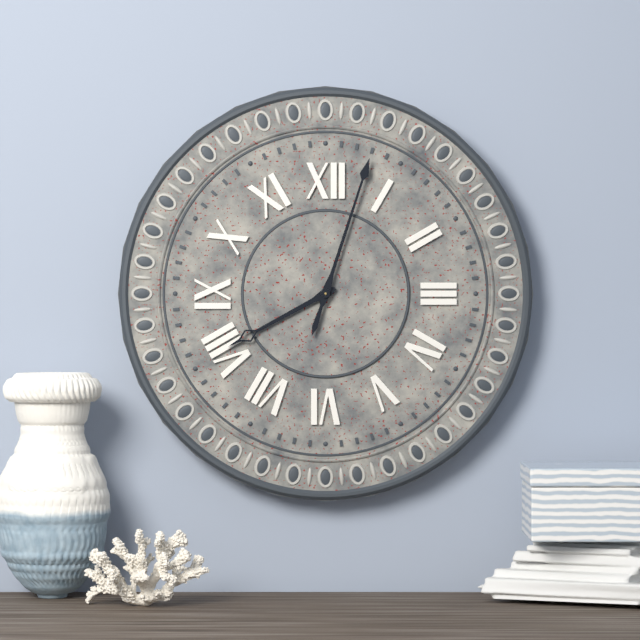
8:03
